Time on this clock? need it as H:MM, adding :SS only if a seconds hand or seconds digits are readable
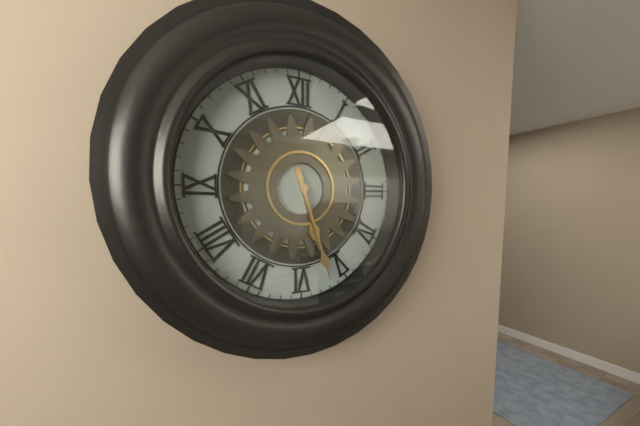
5:27
